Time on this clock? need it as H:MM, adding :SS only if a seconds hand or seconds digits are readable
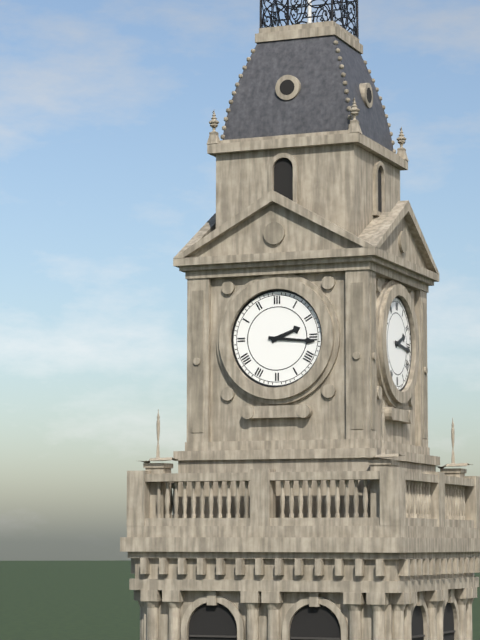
2:16
